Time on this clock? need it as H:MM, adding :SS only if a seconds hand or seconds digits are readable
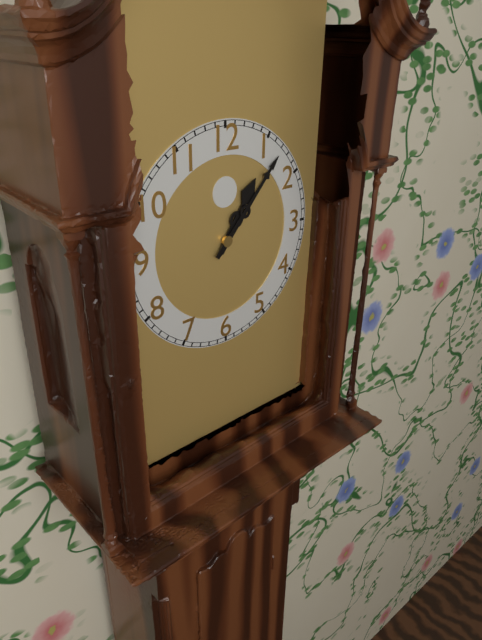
1:07
